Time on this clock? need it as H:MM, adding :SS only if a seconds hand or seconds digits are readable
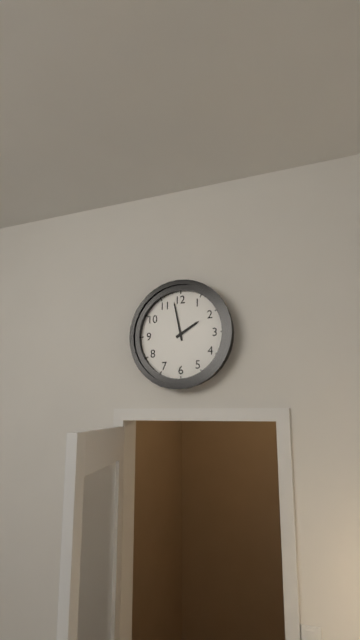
1:58
